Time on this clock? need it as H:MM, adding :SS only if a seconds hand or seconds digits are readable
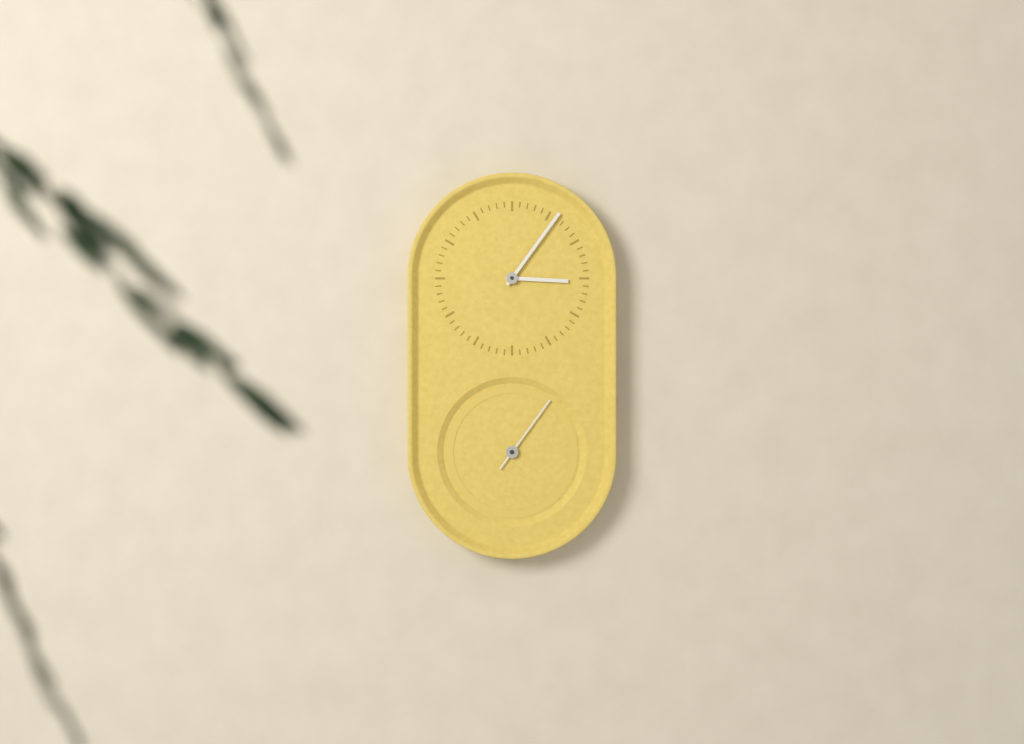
3:06:06
